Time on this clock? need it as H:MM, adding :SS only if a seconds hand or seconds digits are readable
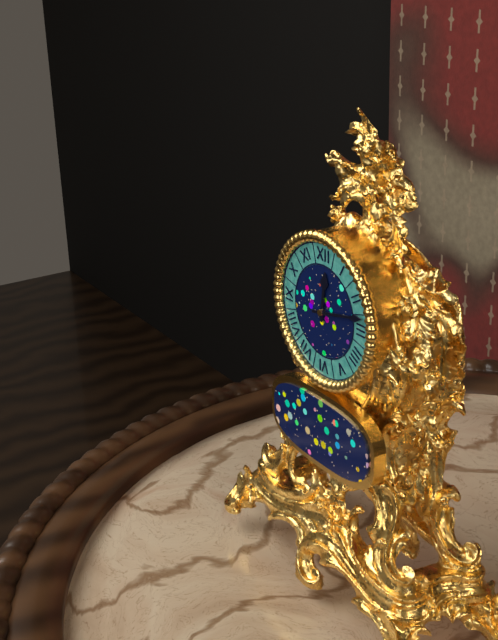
12:13
